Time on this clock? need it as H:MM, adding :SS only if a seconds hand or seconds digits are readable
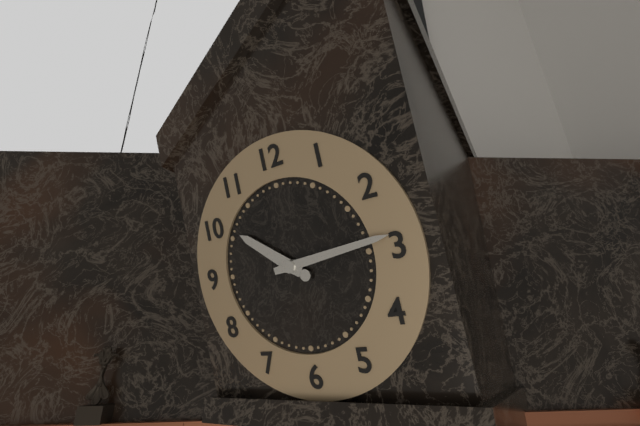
10:14
